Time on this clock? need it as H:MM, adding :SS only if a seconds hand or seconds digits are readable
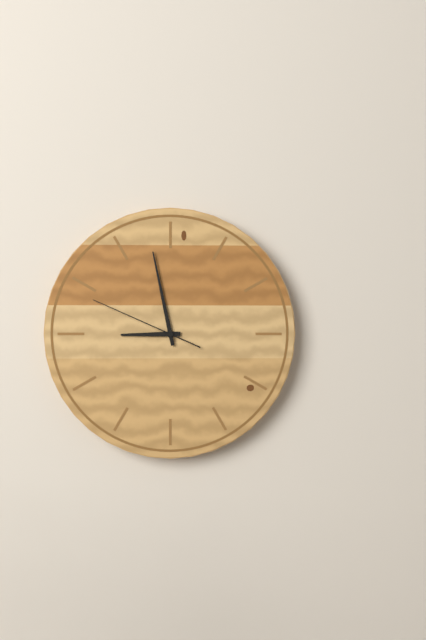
8:58:49
